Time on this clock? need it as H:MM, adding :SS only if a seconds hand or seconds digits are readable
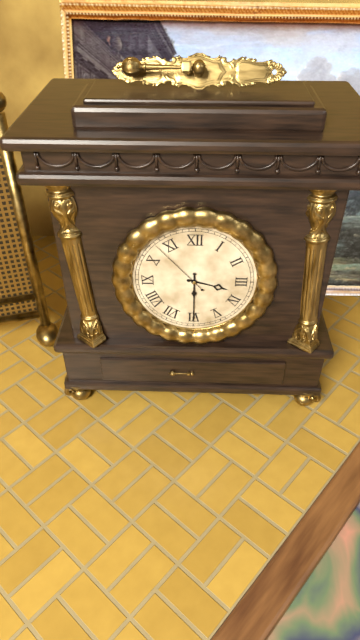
3:30:53
